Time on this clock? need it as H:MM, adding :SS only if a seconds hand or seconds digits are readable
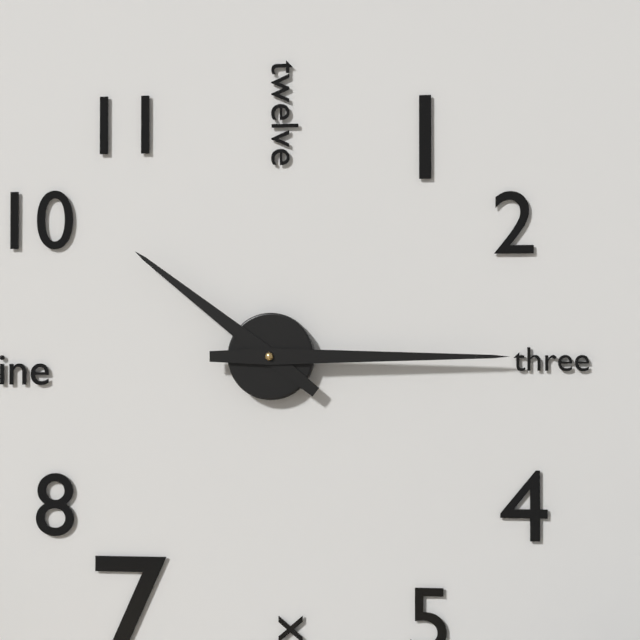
10:15
